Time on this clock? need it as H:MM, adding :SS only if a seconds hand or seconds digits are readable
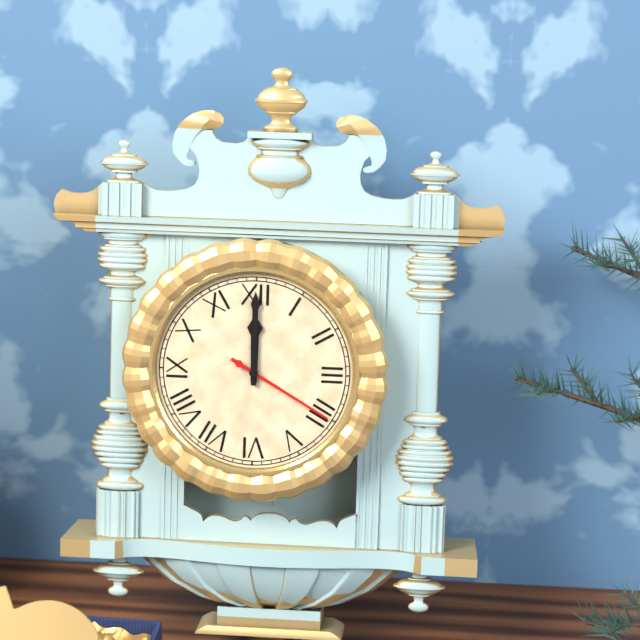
12:00:20
